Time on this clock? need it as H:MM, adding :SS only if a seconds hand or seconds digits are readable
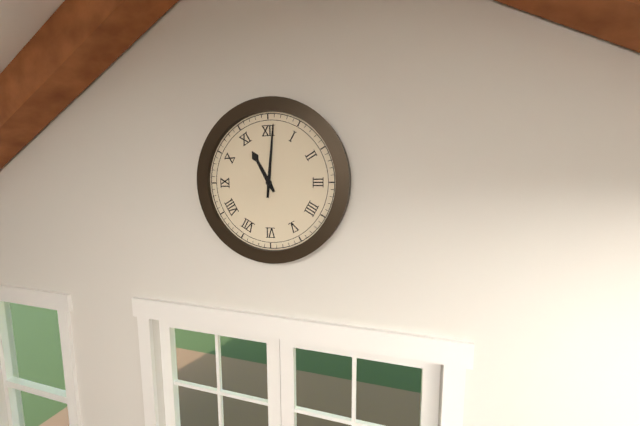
11:01
